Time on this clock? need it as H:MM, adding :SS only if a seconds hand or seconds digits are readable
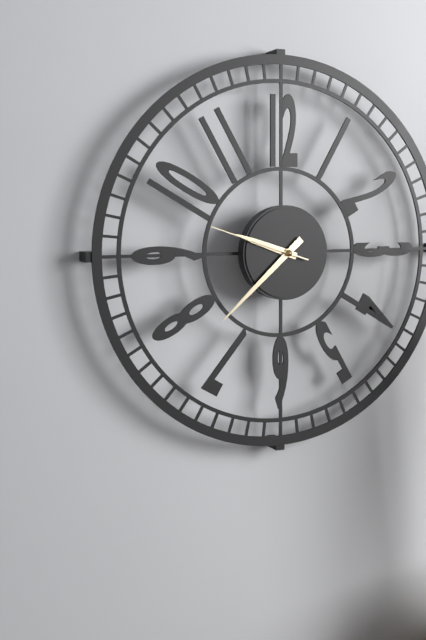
9:38:48
